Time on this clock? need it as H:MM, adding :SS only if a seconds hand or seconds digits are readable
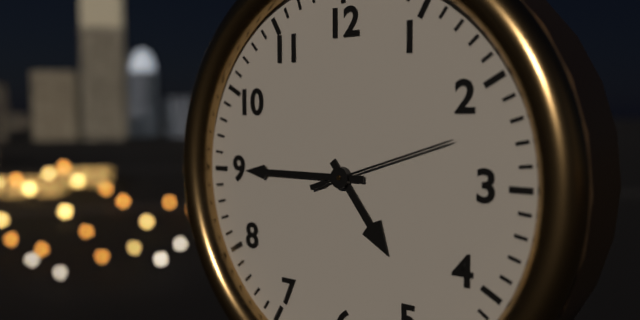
4:45:12
